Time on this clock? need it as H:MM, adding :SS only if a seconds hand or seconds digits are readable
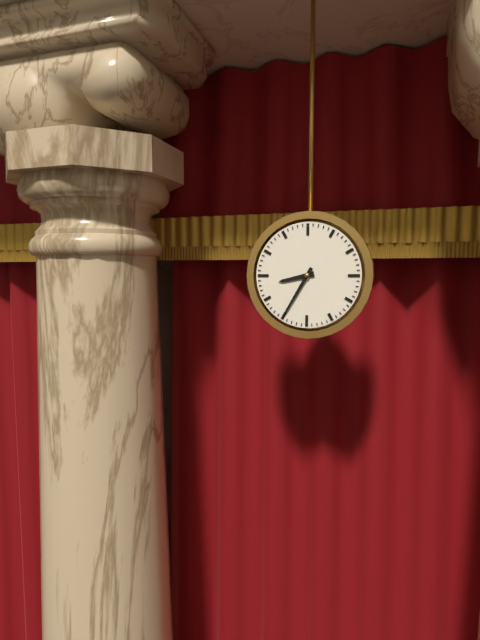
8:35
